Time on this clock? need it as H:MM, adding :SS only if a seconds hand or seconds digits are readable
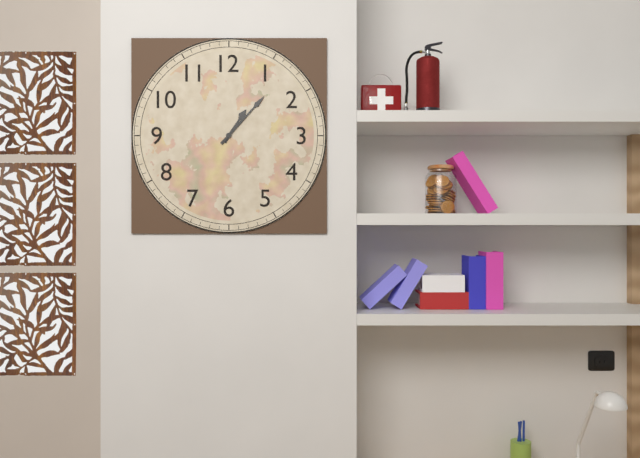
1:07
